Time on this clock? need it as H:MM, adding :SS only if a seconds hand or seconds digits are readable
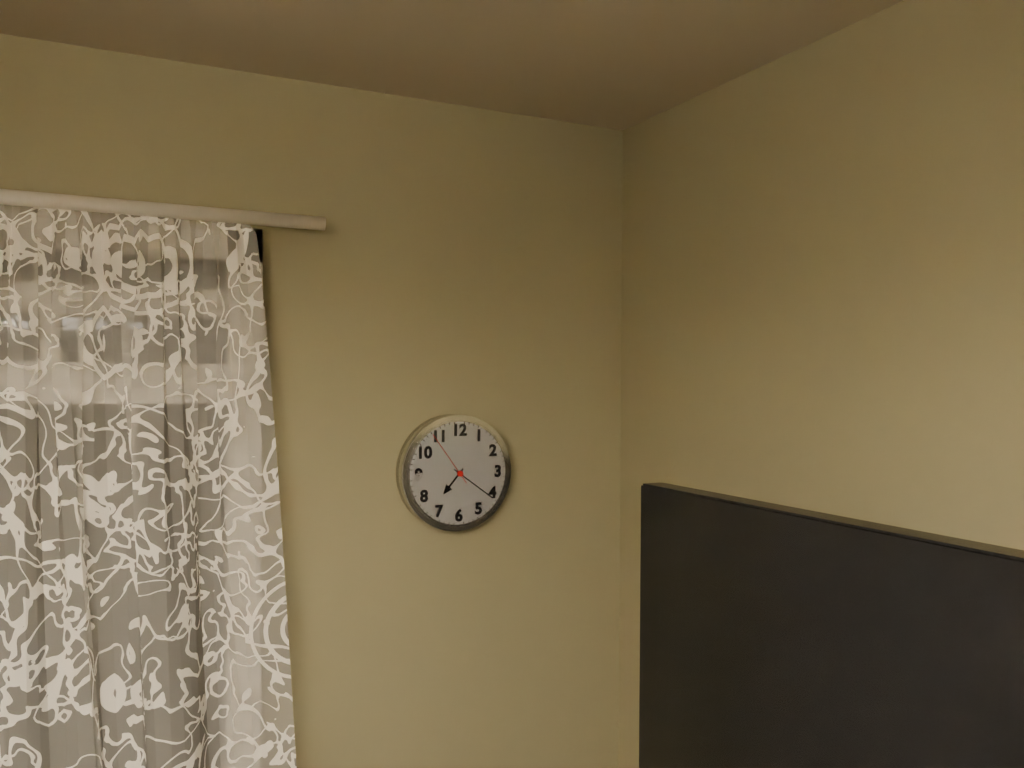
7:21:54
